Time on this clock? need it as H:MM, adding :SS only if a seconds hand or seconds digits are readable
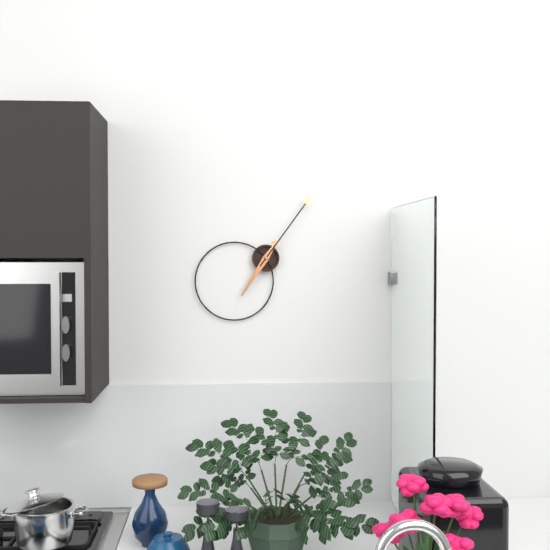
7:06
